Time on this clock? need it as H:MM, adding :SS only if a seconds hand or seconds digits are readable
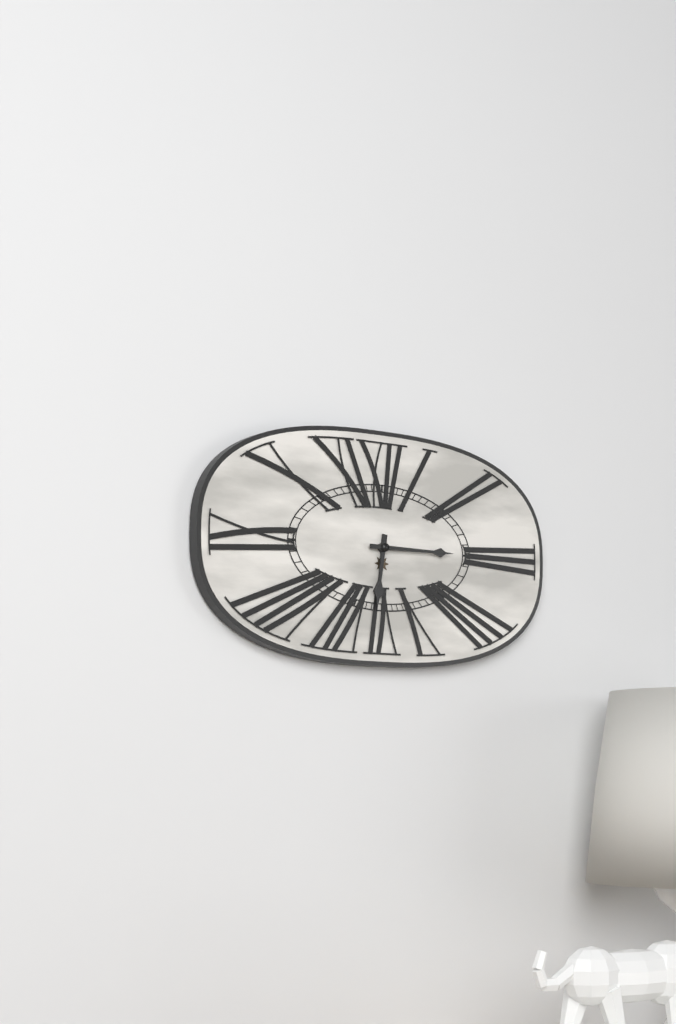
6:15
